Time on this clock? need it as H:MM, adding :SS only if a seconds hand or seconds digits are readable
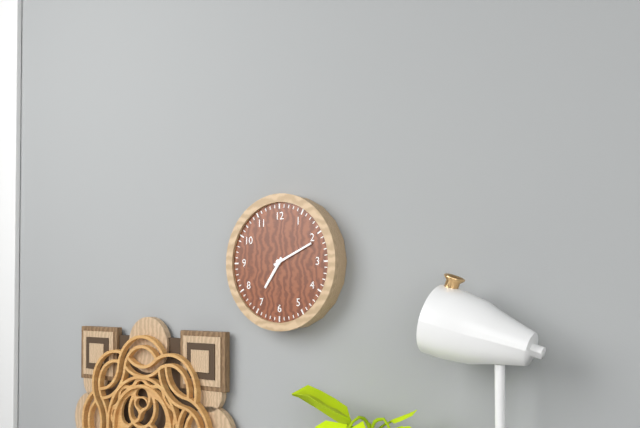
7:11
